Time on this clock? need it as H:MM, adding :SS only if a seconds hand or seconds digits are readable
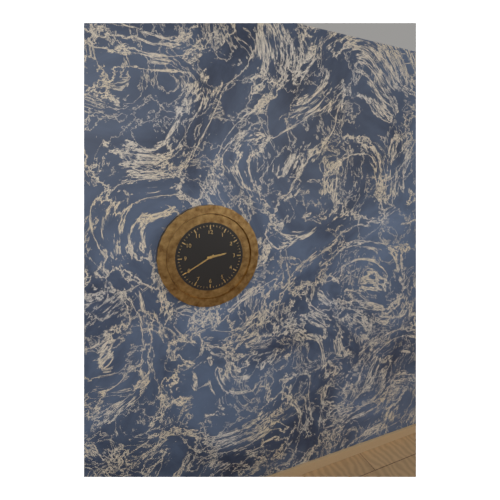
2:40
